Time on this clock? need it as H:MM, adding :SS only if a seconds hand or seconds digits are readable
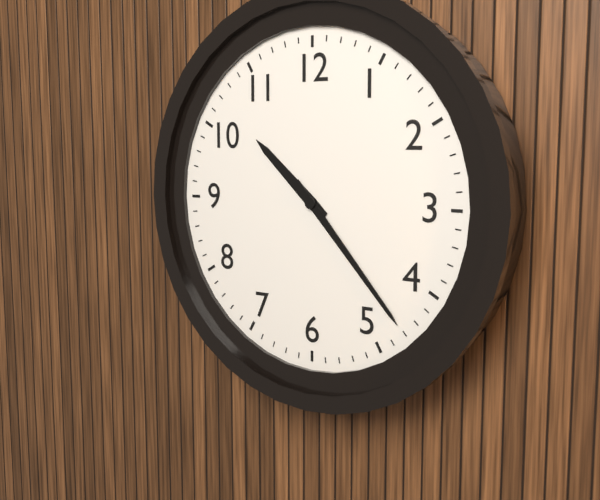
10:23
